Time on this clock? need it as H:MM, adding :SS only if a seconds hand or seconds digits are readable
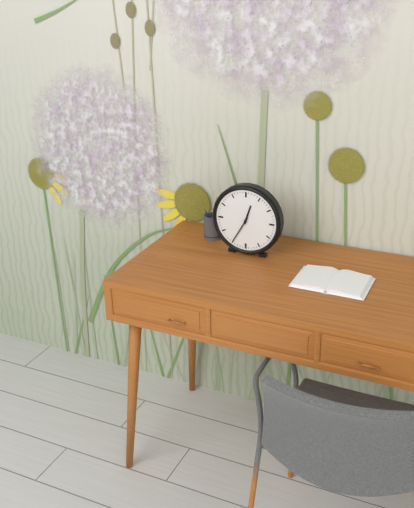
12:35
